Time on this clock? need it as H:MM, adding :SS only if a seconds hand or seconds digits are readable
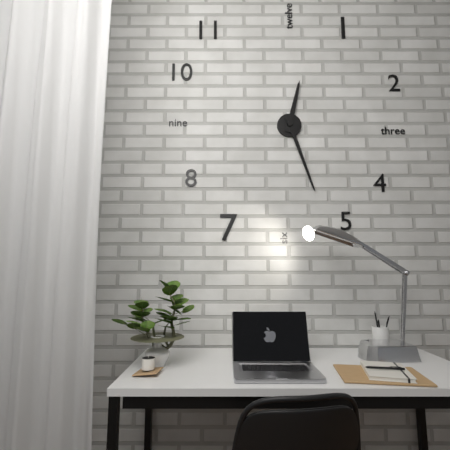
12:27
